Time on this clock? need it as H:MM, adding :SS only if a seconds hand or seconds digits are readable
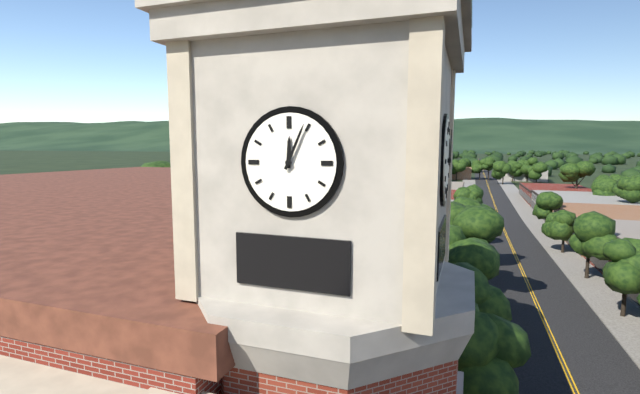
12:04
